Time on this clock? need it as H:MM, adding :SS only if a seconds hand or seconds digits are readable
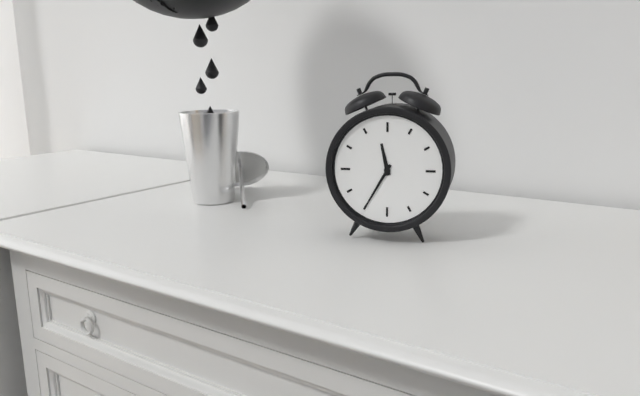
11:35
